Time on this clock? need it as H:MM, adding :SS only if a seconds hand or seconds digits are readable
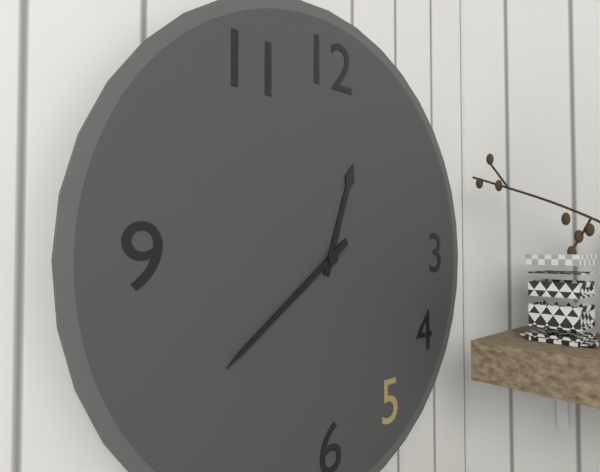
12:39
